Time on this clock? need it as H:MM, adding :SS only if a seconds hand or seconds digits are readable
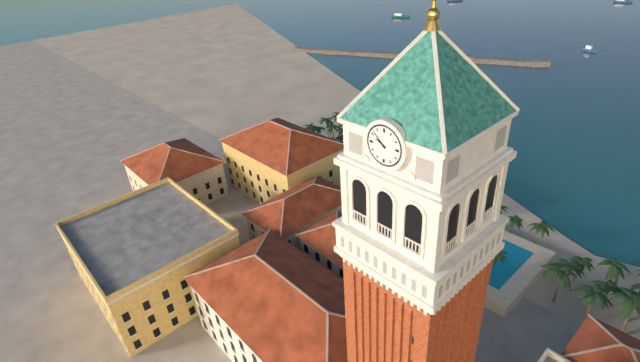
9:52
